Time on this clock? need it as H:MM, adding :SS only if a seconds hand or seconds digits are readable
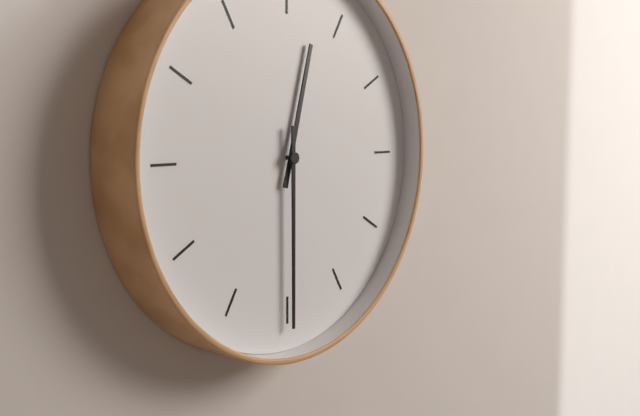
12:30
